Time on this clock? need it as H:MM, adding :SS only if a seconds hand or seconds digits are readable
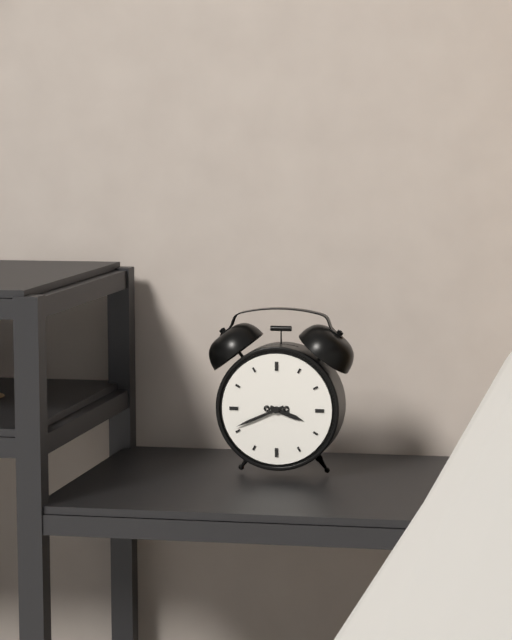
3:41
